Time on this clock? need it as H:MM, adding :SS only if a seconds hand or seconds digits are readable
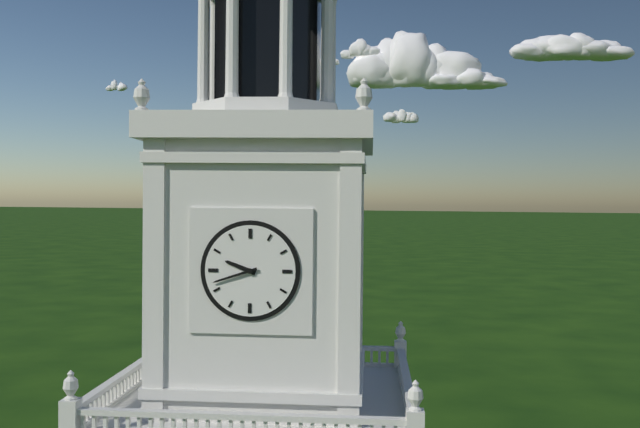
9:42
